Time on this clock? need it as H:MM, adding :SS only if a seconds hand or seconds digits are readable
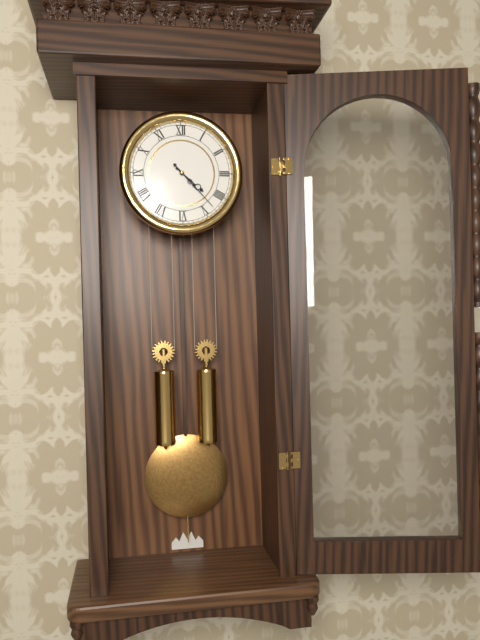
4:23
